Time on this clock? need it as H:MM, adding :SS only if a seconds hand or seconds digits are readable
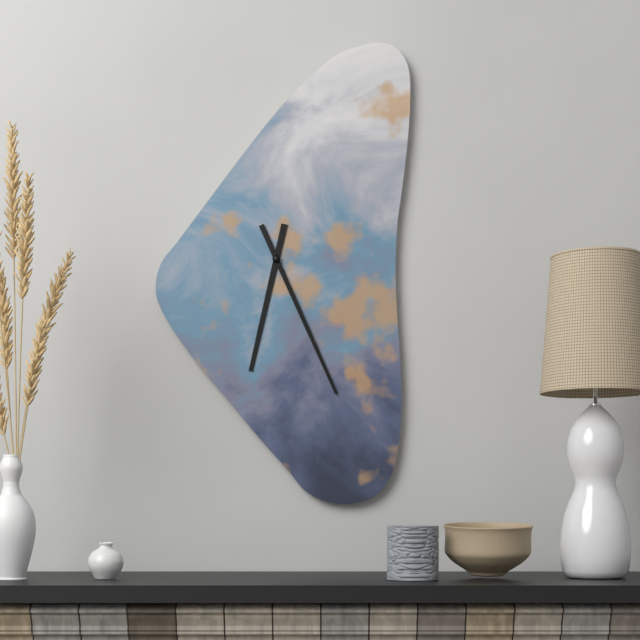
6:26
